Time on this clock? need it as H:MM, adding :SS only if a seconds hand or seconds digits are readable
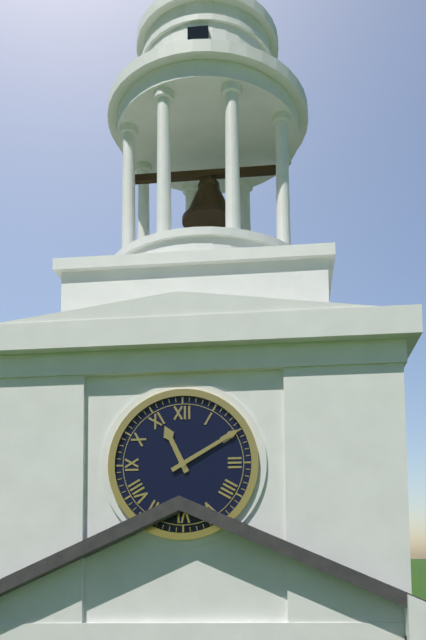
11:10
